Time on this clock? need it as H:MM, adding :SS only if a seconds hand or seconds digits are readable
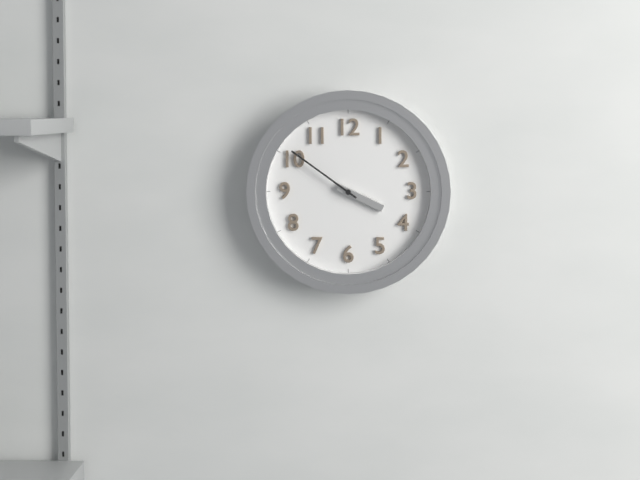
3:51
